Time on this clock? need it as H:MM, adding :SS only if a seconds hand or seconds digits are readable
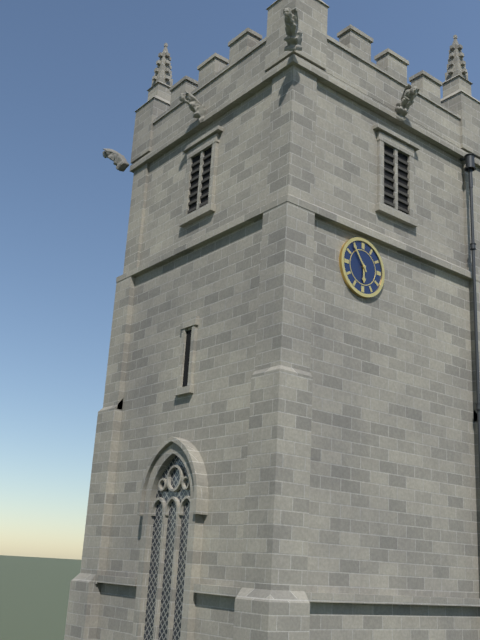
5:54
